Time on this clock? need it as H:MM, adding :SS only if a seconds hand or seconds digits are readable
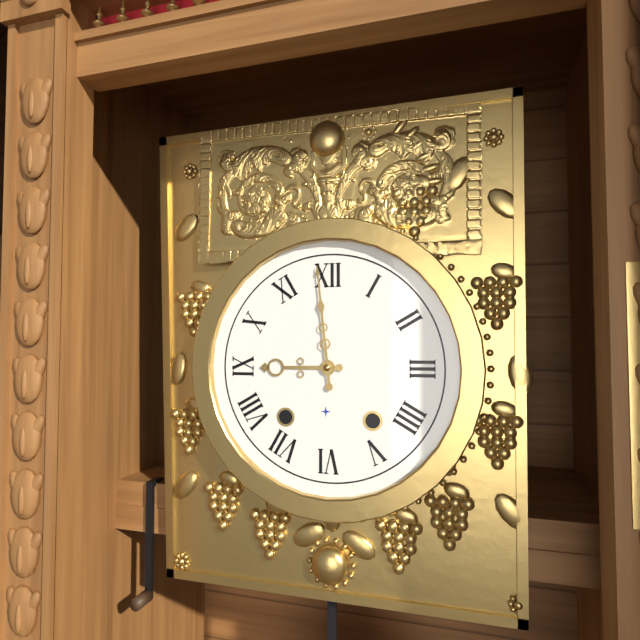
8:59
